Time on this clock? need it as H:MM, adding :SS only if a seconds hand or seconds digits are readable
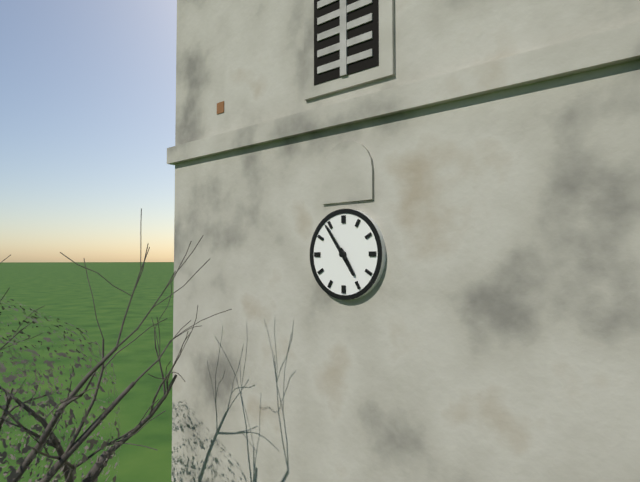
4:54
